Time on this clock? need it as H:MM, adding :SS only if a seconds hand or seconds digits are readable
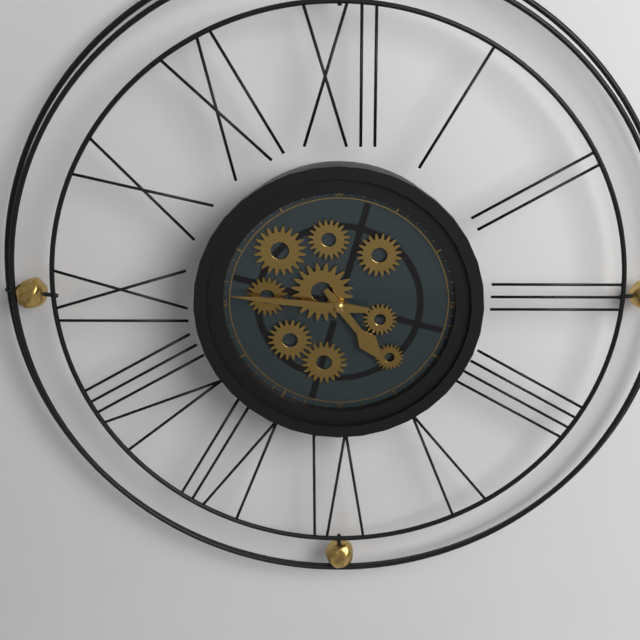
4:46
